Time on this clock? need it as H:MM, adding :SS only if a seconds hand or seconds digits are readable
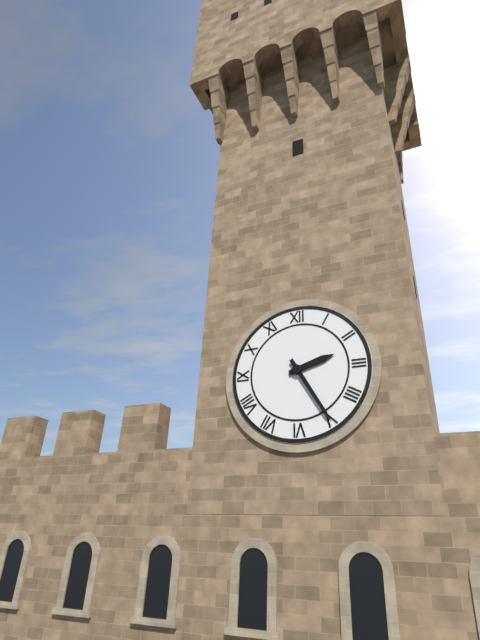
2:25
